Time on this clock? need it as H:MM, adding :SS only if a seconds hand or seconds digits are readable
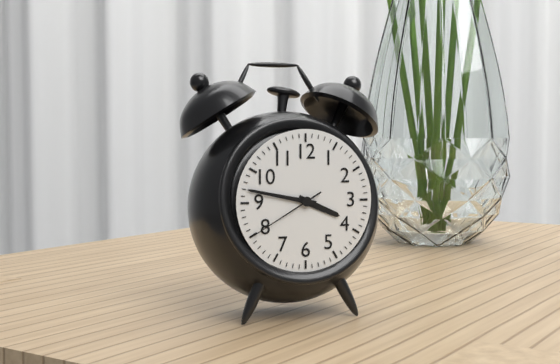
3:47:40
